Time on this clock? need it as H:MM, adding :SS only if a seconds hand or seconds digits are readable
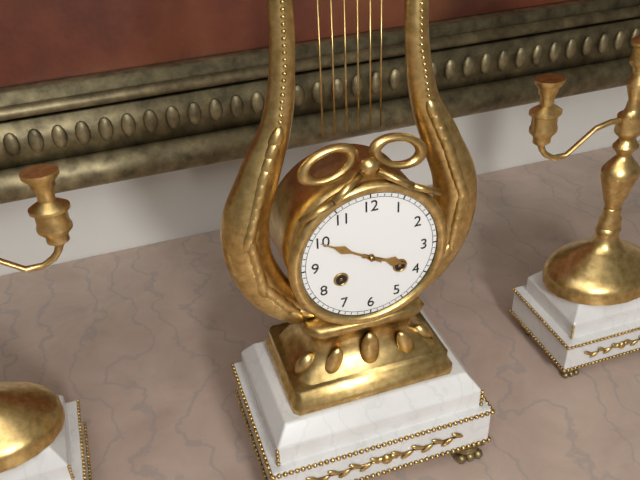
3:50
